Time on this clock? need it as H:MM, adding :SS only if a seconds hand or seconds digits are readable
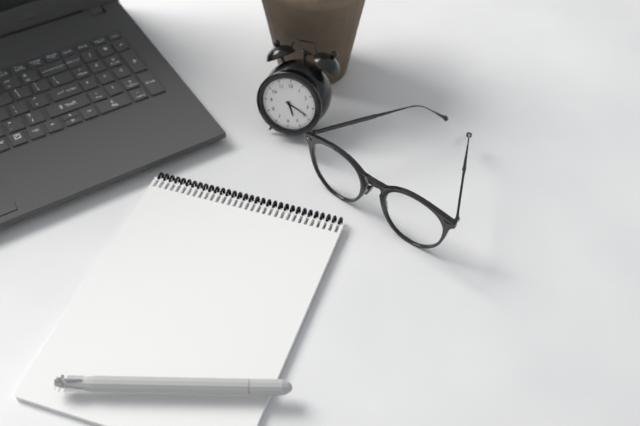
5:19
